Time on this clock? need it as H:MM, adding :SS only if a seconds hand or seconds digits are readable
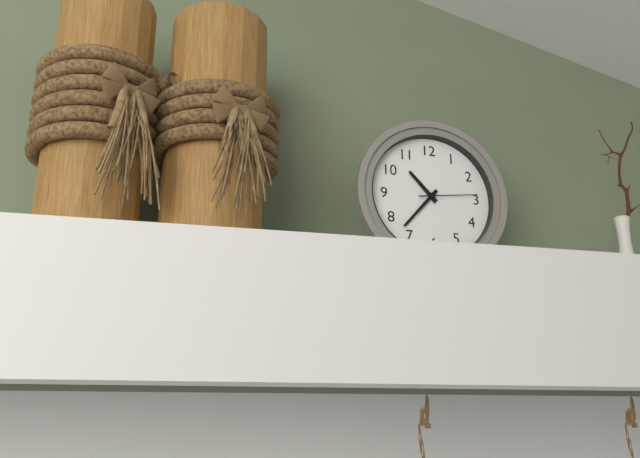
10:37:14
